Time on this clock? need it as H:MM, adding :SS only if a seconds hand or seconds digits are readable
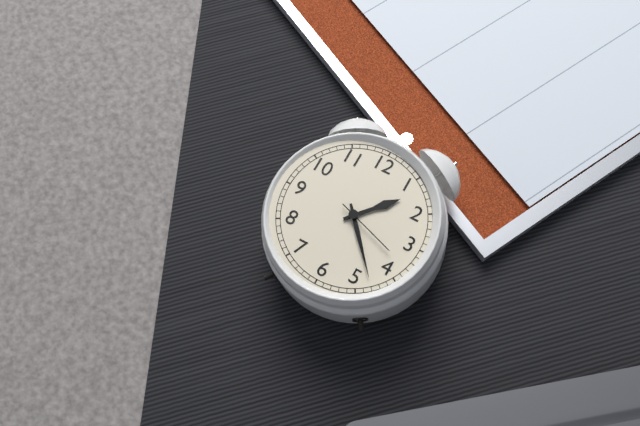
1:23:18
